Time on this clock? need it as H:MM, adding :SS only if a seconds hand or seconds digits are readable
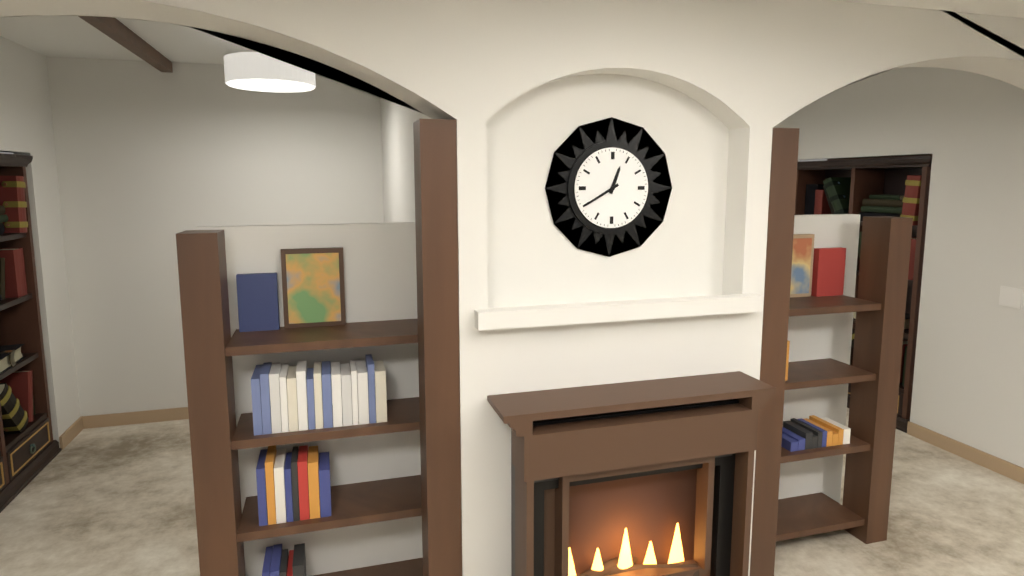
12:40
